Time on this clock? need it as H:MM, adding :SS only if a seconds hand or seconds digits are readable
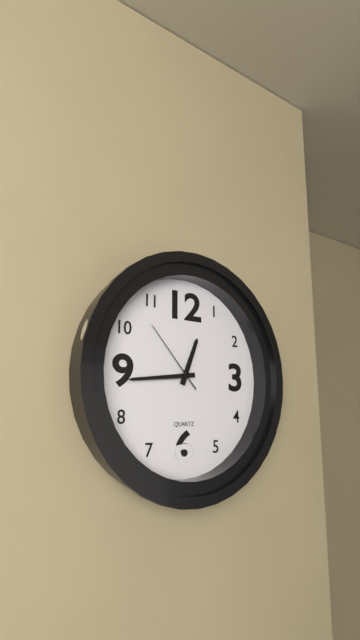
12:44:53
